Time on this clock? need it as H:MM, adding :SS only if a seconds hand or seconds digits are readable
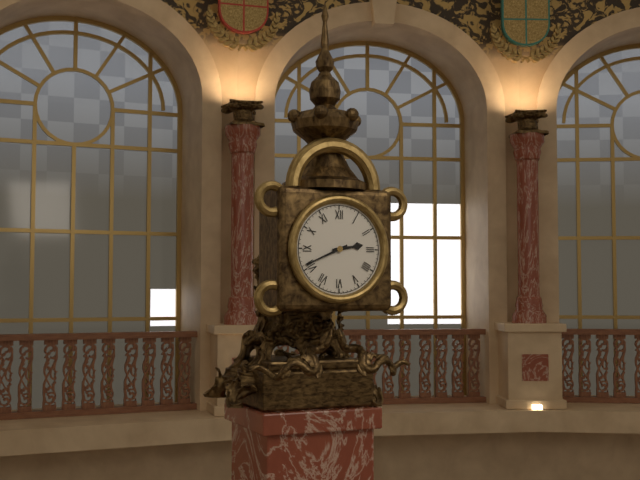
2:41
